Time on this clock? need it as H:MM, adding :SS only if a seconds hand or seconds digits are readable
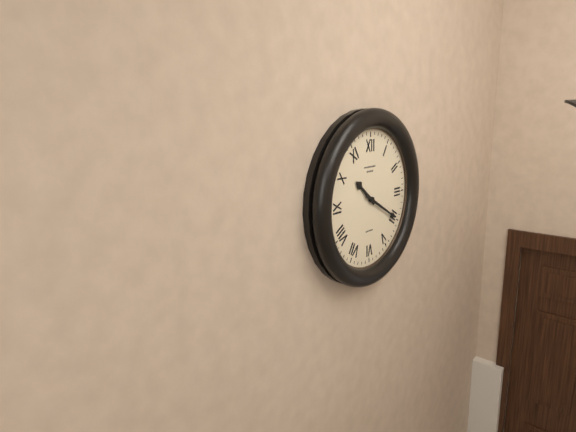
10:20
